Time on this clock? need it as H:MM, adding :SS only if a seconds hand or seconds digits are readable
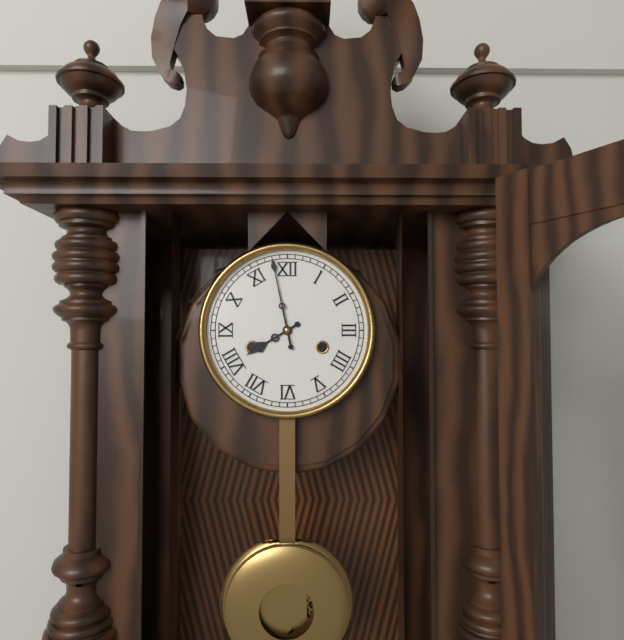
7:58
